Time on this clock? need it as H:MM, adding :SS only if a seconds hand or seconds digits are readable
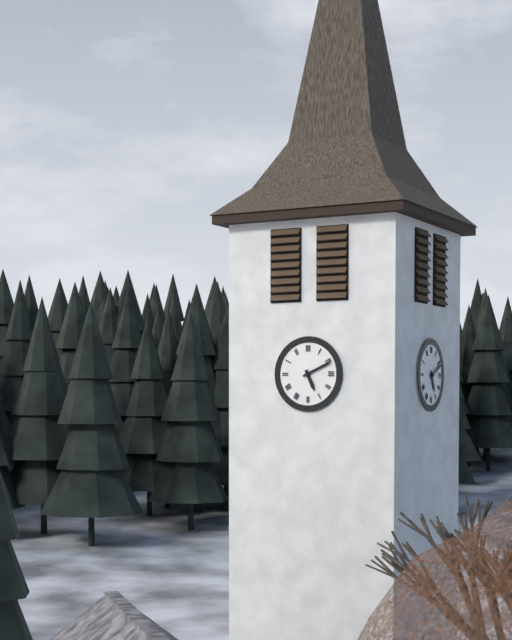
5:11
